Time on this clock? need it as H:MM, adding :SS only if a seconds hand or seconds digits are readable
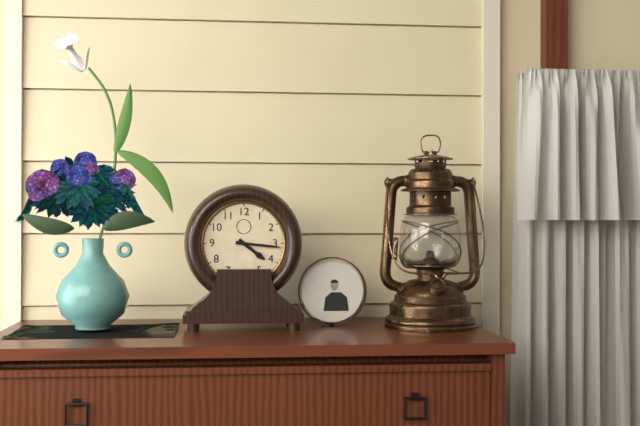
4:16
